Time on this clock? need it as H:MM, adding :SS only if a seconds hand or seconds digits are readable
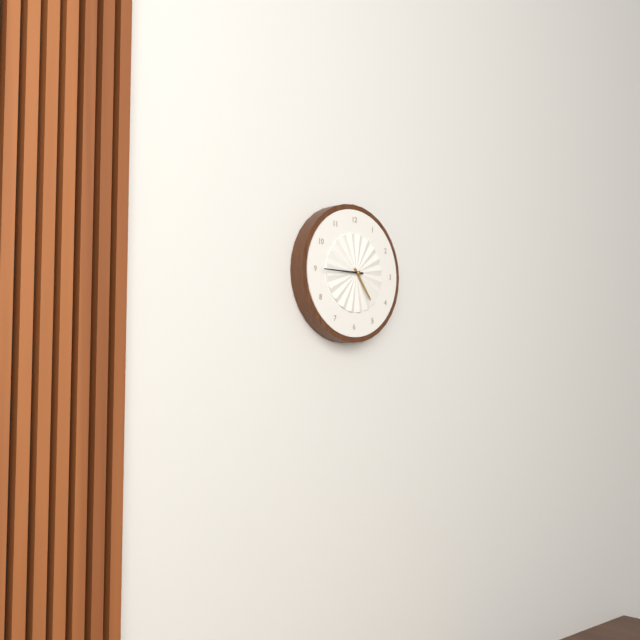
4:45
